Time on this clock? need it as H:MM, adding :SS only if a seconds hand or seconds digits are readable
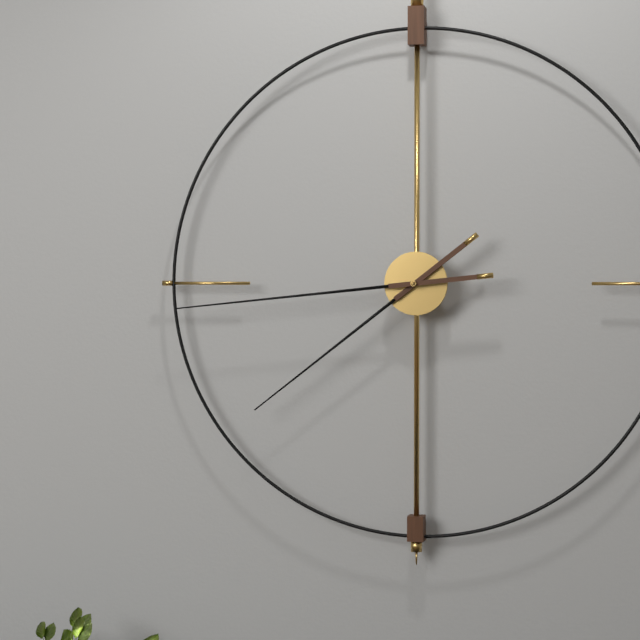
7:44
